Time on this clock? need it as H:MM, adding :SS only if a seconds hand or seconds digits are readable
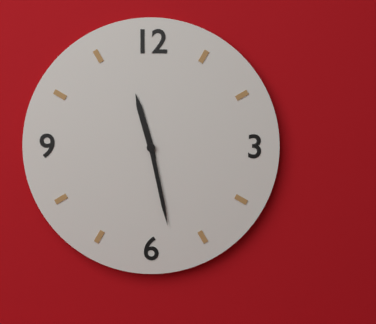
11:28
